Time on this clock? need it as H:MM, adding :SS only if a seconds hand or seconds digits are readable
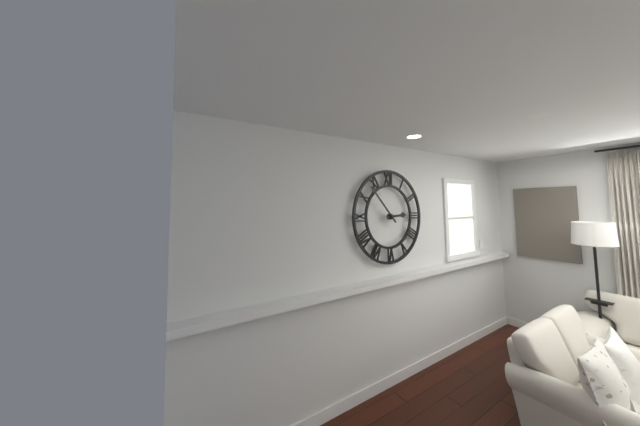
2:53
